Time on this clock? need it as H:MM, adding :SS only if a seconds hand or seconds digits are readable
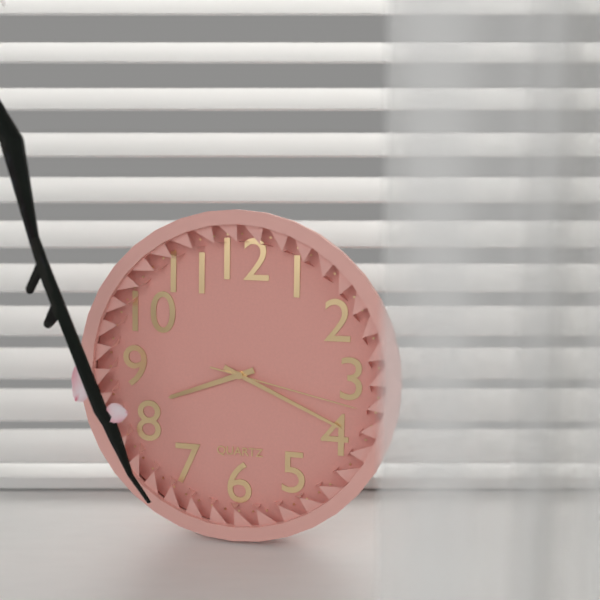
8:19:17
